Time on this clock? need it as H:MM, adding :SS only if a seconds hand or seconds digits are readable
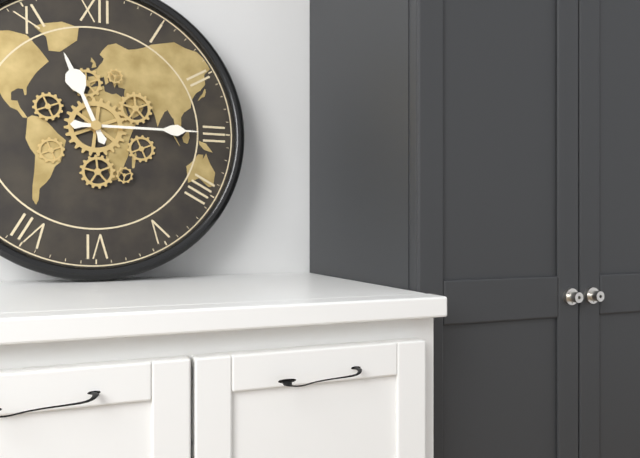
11:15
